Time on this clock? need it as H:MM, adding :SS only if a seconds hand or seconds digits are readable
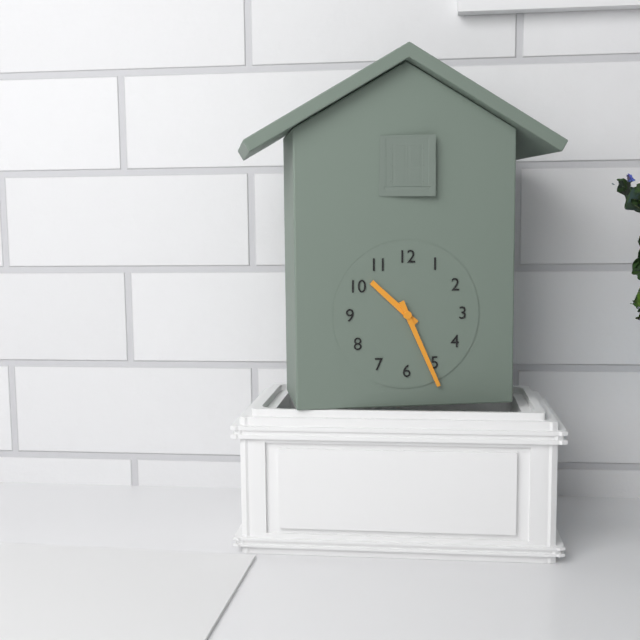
10:26
